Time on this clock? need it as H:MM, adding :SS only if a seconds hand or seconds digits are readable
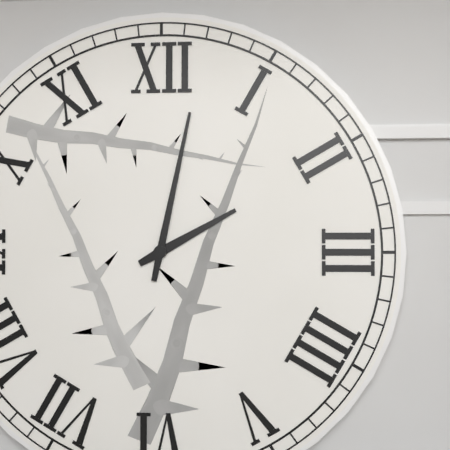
2:02
